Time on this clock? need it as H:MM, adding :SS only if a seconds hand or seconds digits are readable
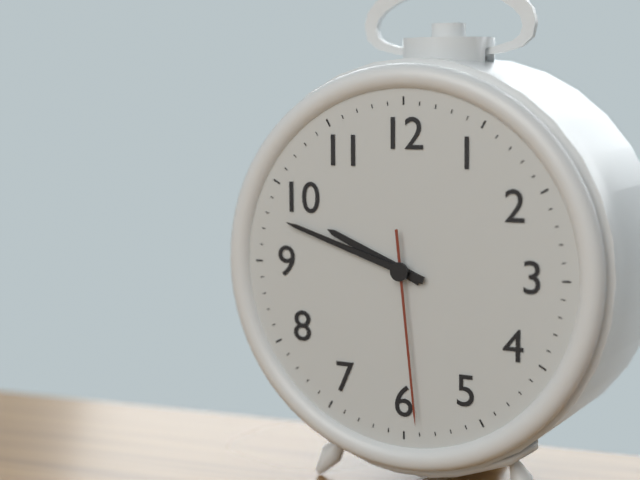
9:48:29
